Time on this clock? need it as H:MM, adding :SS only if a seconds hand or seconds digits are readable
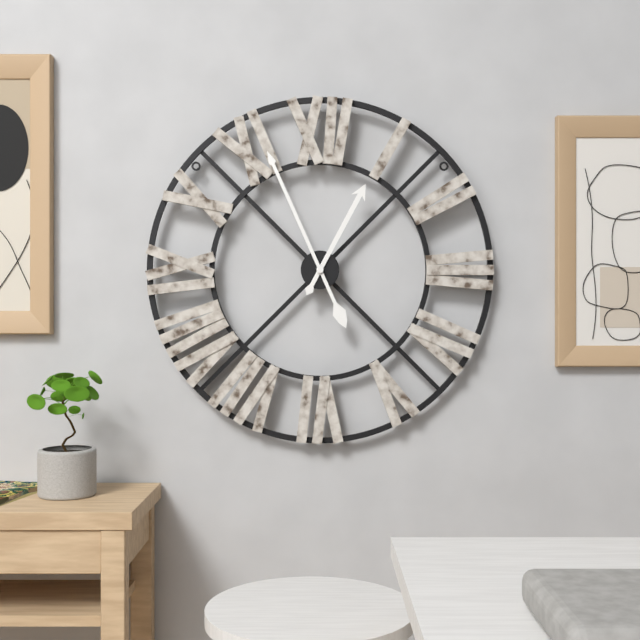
12:56
